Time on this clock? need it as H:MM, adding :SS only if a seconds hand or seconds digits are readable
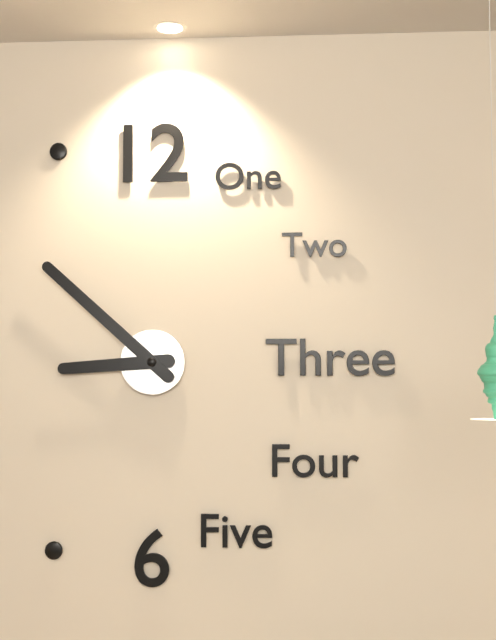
8:52
